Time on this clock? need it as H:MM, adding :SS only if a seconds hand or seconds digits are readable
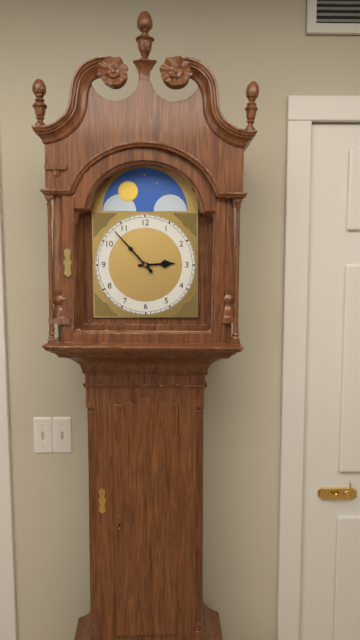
2:53
